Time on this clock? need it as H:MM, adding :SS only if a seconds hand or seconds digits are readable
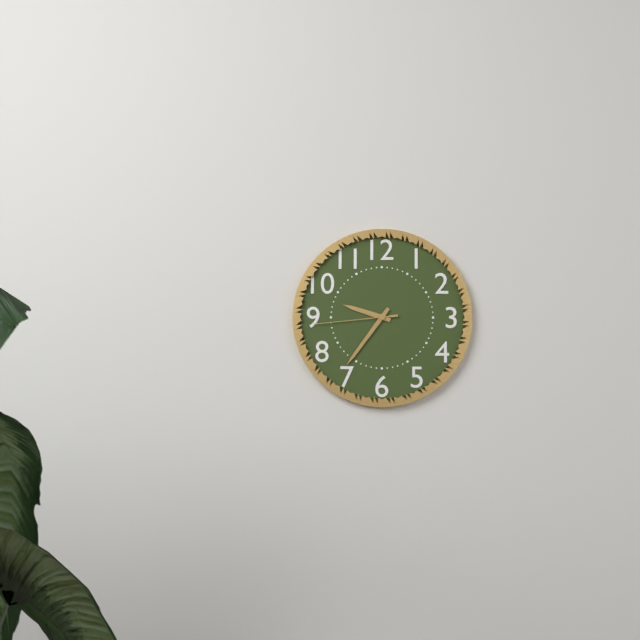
9:36:44
